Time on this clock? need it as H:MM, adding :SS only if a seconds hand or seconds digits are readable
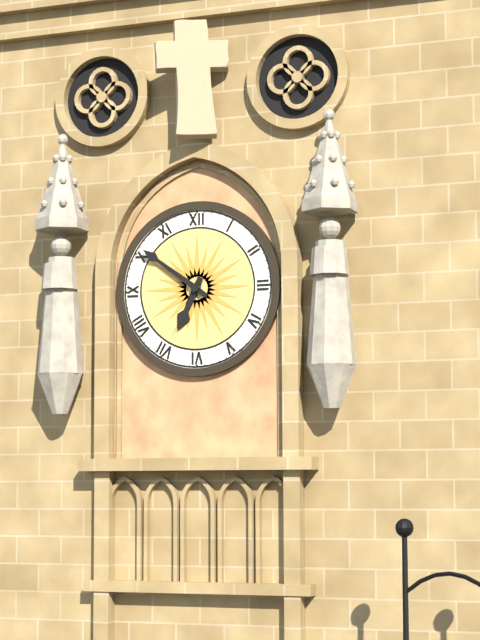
6:51
